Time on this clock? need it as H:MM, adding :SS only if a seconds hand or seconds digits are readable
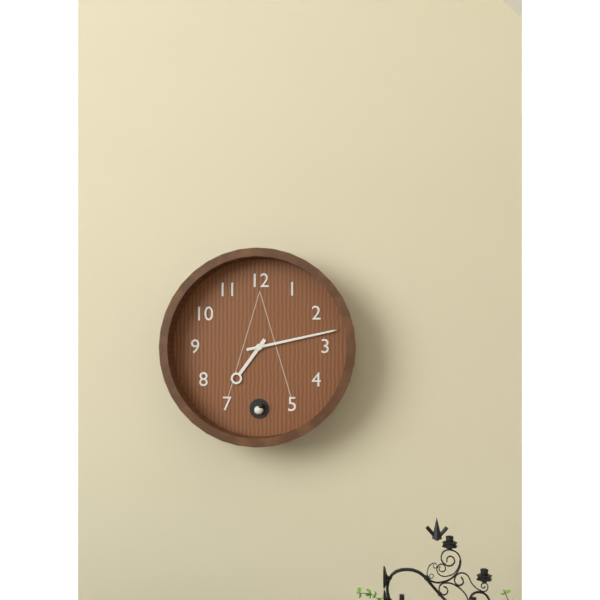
7:13
